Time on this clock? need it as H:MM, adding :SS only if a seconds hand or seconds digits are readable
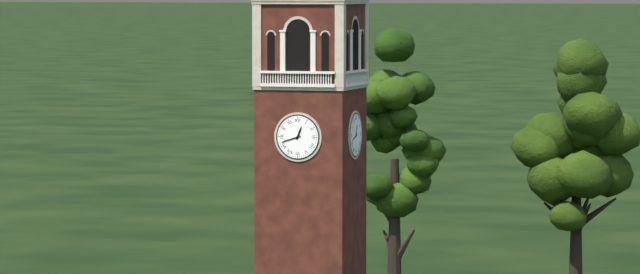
12:42
